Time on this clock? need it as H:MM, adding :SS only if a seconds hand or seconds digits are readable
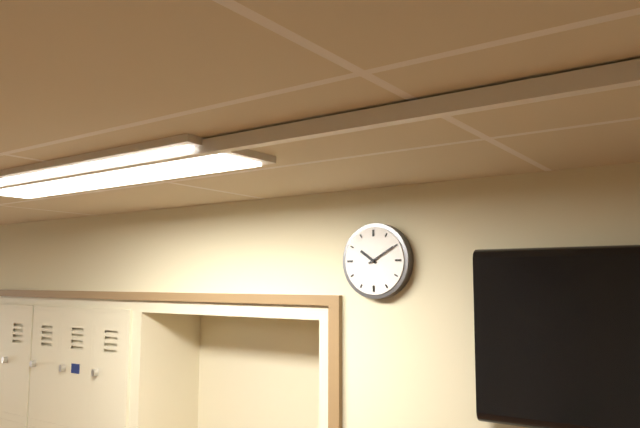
10:10
